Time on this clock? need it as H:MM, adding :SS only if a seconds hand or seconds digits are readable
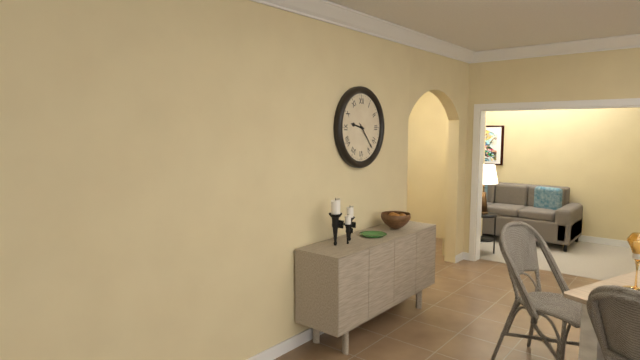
9:23
